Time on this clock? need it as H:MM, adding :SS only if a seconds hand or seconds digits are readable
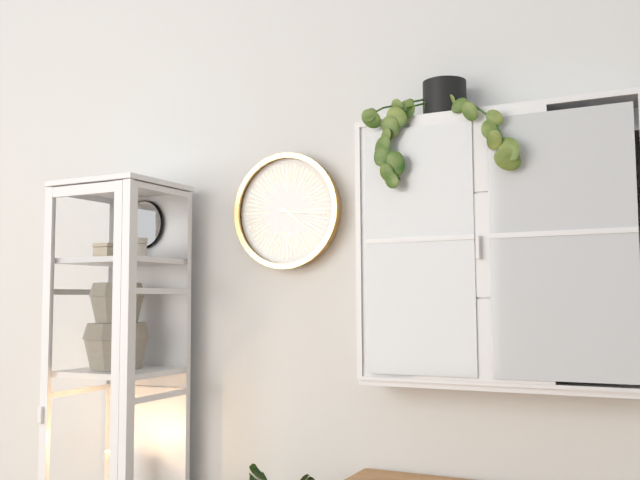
4:16
